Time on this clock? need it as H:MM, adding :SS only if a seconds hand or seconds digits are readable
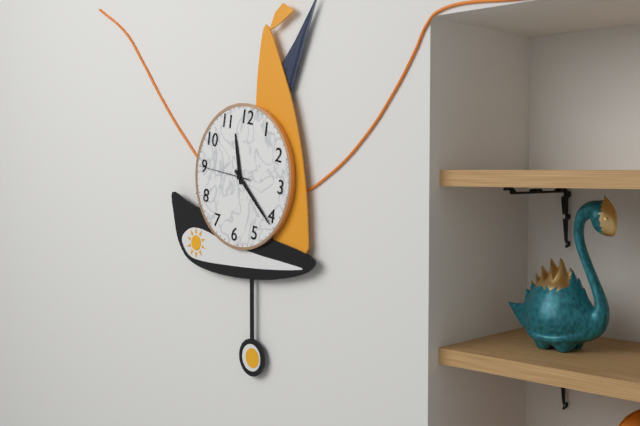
11:21:45
